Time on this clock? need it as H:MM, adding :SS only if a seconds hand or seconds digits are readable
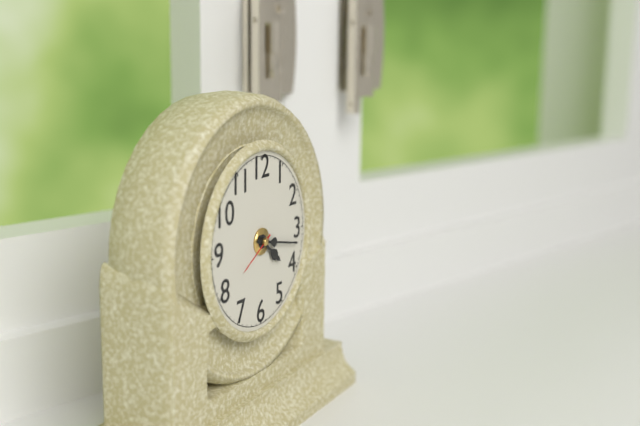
4:17
